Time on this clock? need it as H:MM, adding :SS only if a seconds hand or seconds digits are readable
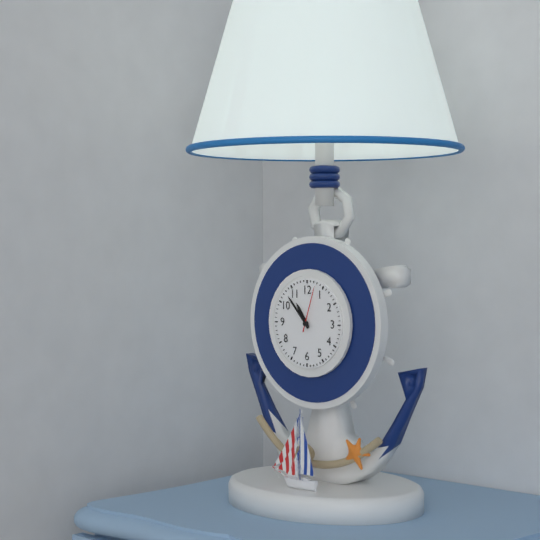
10:53
